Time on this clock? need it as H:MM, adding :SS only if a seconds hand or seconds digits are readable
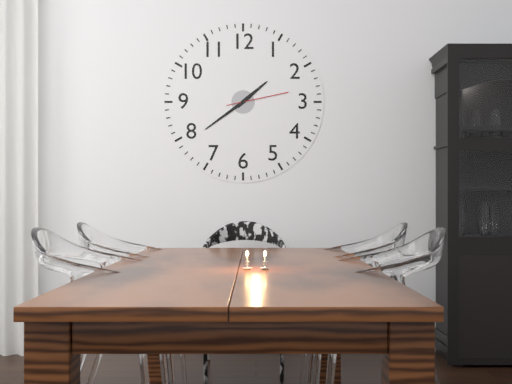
1:39:13
